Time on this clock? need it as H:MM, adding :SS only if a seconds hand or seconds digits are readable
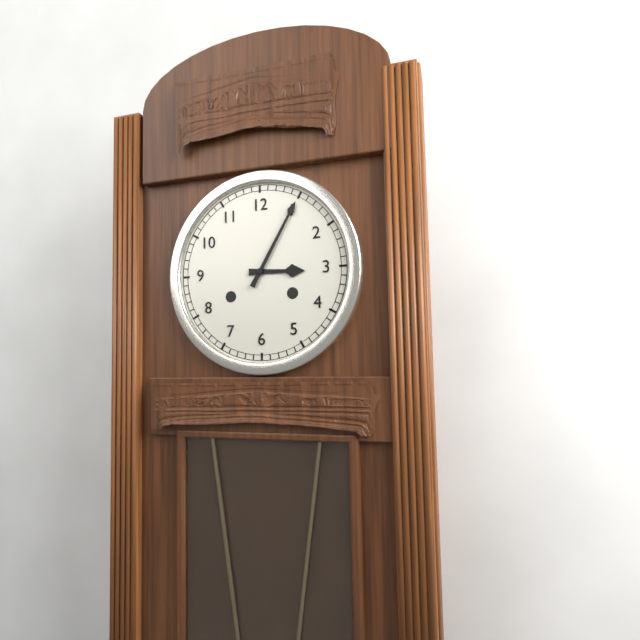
3:05
